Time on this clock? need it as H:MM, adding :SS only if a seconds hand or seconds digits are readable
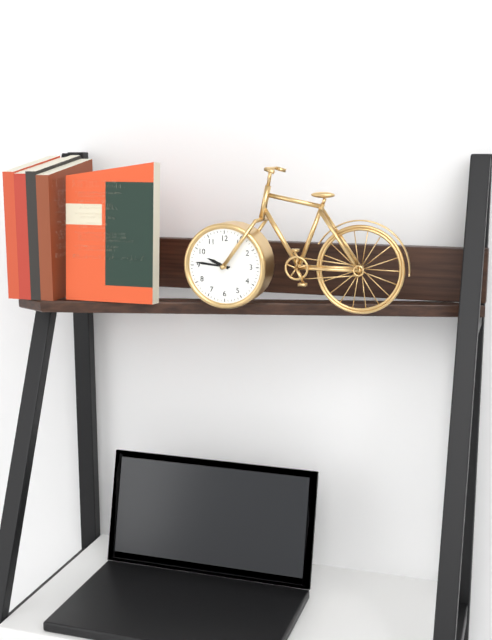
9:46
